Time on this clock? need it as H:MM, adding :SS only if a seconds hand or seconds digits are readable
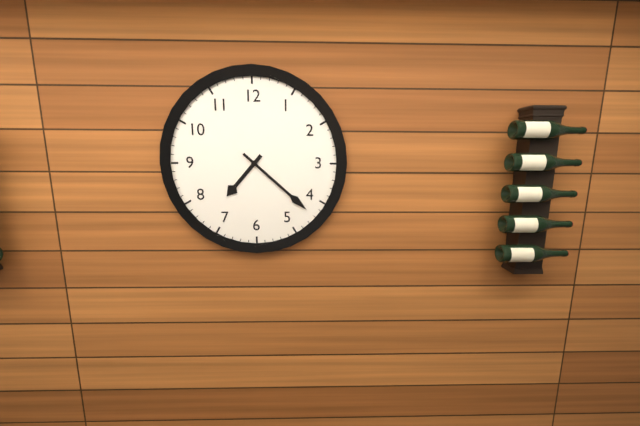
7:22
